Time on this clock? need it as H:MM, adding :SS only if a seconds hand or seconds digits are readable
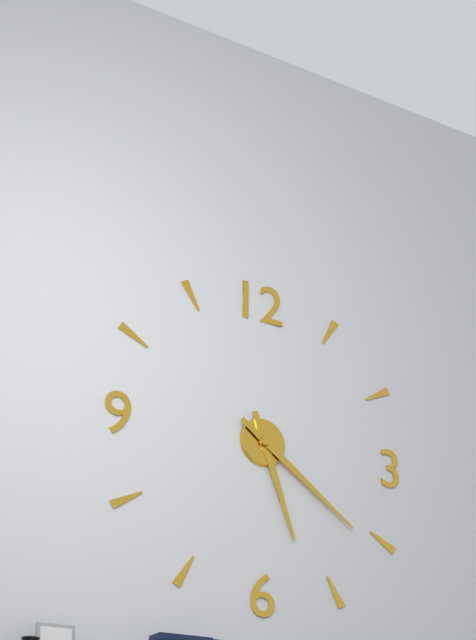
5:21
